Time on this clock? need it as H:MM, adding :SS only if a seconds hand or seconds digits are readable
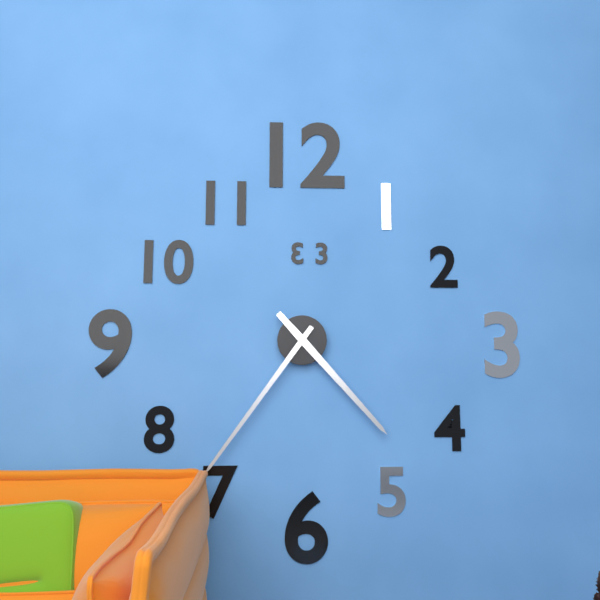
4:36
